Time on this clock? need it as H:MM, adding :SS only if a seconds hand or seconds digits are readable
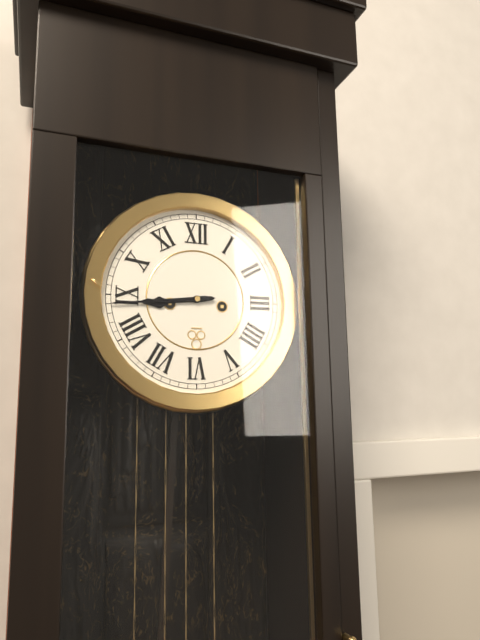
8:44
